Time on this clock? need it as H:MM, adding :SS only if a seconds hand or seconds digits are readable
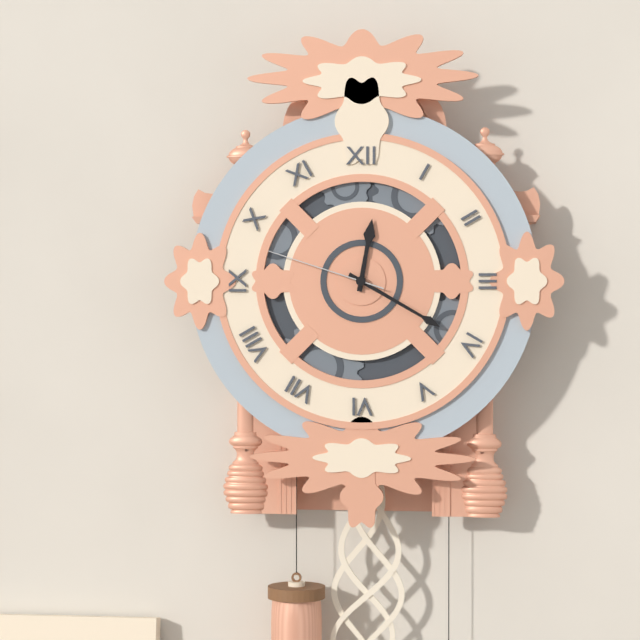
12:20:48
